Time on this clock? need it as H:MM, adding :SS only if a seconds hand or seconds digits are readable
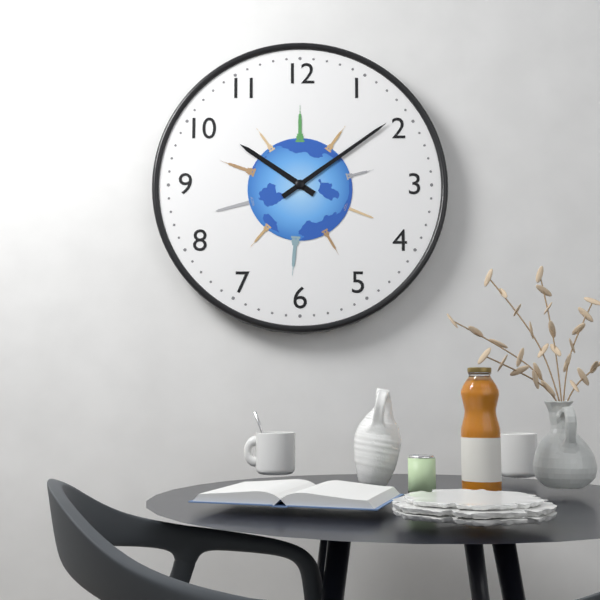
10:09
